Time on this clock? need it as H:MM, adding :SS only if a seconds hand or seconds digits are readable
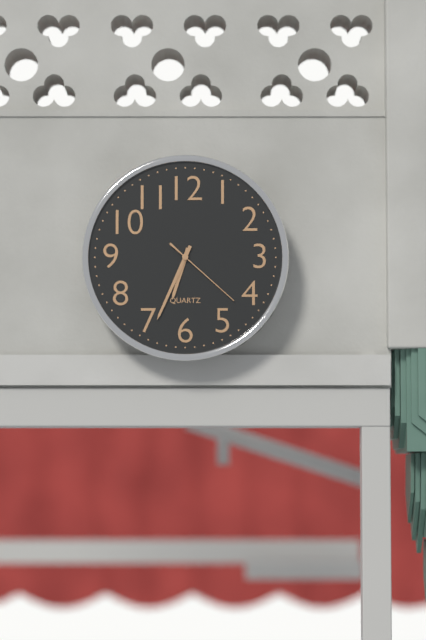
6:34:22
